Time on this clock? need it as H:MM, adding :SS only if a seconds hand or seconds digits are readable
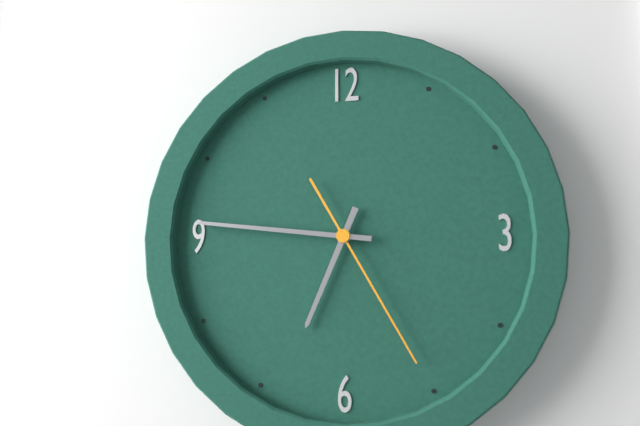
6:46:25
